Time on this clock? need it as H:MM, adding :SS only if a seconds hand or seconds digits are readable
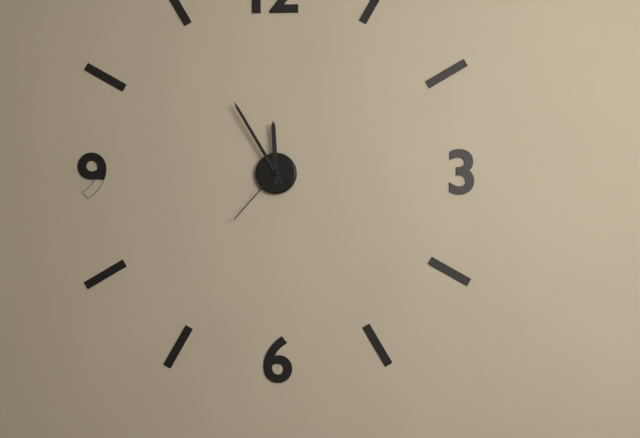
11:55:37
